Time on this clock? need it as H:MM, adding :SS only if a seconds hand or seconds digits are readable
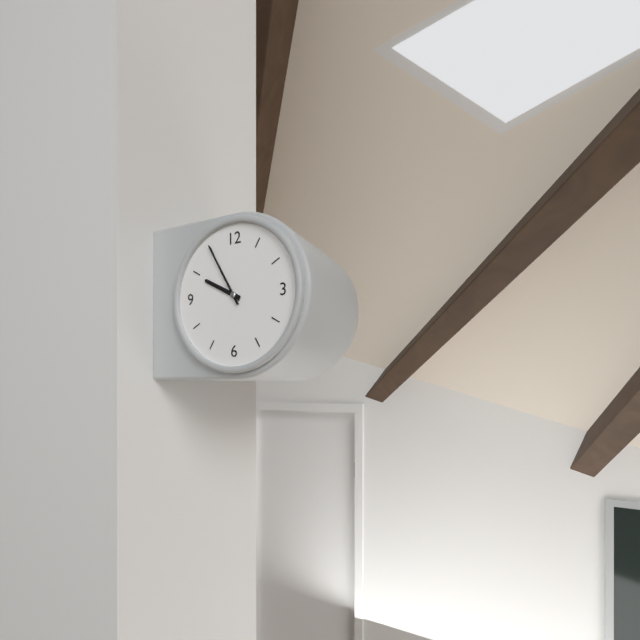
9:55
